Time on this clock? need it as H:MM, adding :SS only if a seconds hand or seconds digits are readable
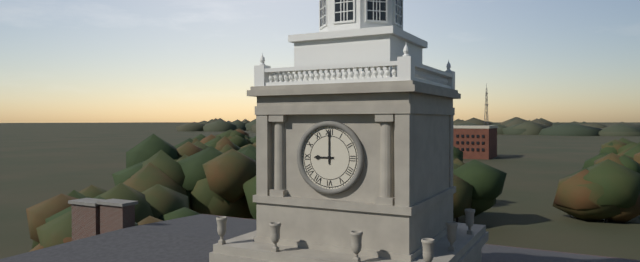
9:00
